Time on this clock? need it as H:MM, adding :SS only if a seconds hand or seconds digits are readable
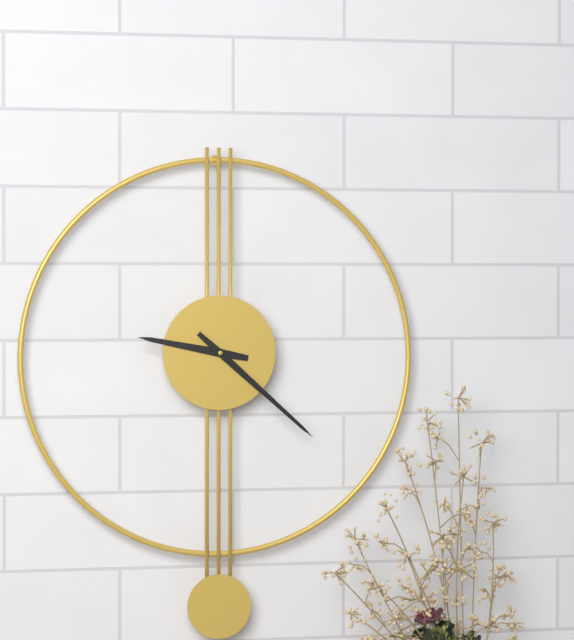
9:22
